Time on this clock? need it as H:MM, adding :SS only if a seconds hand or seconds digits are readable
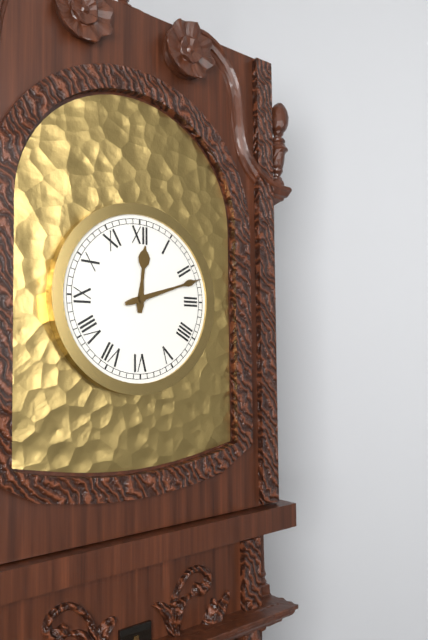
12:12
